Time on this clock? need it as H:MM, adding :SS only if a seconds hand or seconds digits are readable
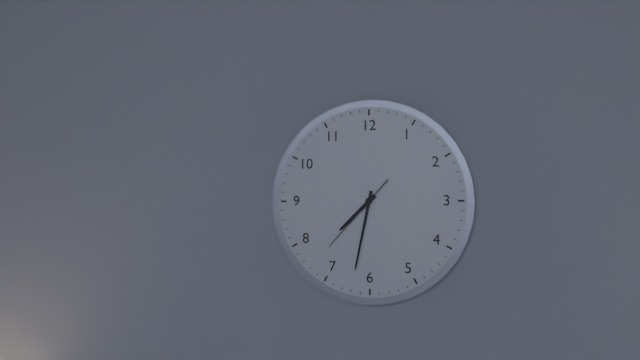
7:32:37
